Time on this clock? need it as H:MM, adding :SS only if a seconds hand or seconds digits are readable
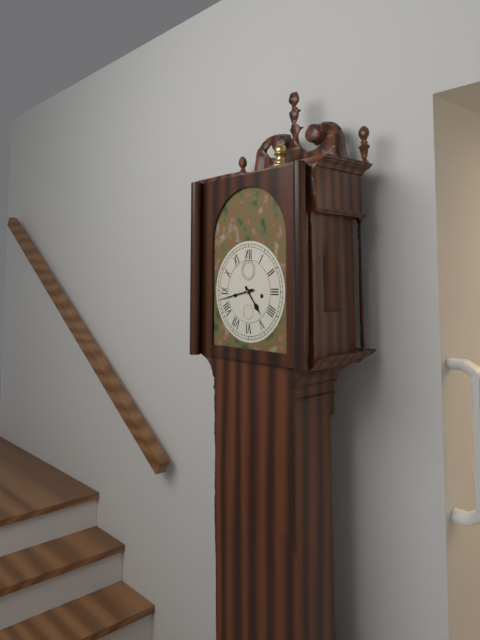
4:43
